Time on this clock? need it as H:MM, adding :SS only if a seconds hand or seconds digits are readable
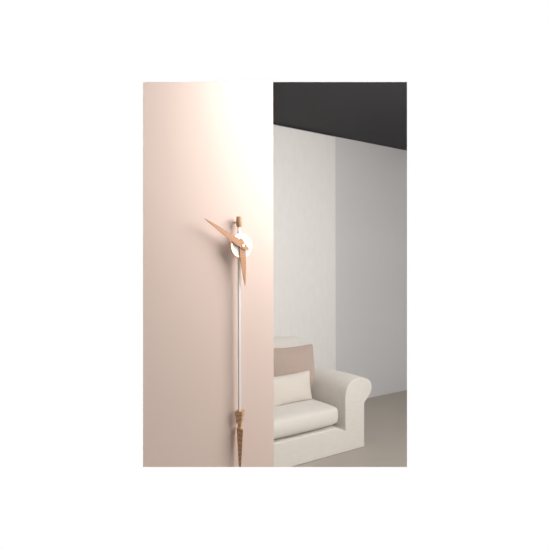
5:50
